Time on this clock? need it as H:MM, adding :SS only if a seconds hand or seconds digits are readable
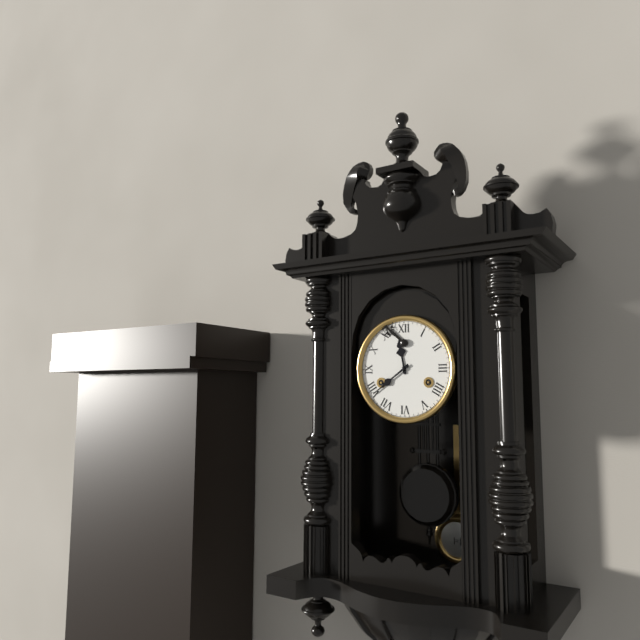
11:39
